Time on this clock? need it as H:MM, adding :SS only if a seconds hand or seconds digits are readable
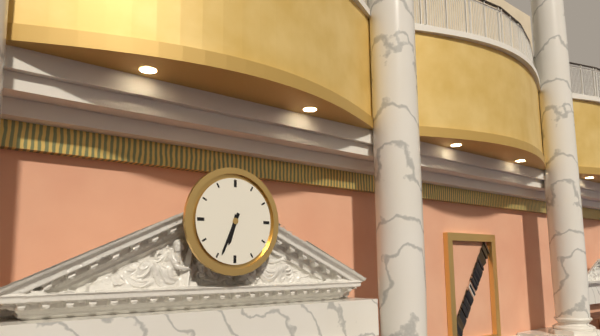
6:34
